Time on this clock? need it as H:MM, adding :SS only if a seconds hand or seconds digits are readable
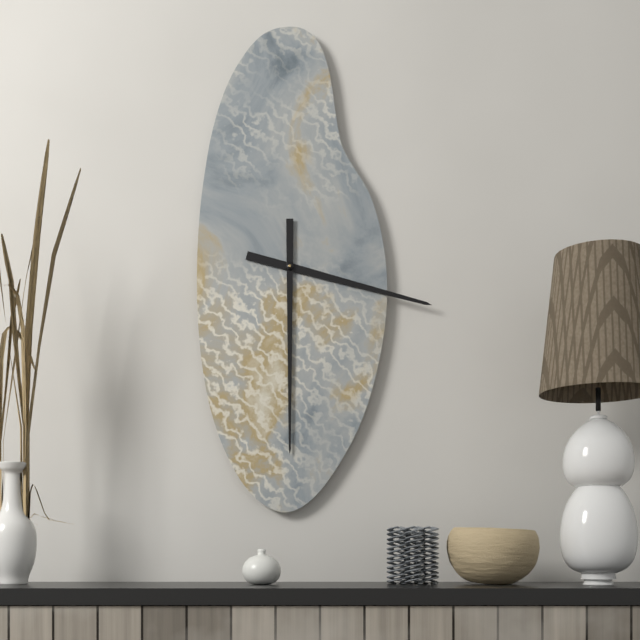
3:30
